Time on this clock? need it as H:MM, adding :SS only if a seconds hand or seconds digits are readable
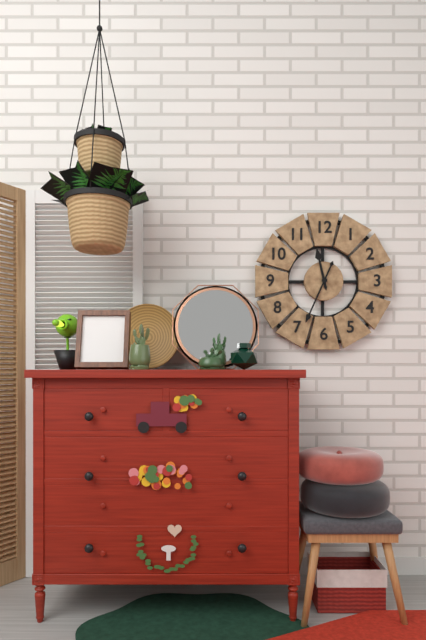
11:34
